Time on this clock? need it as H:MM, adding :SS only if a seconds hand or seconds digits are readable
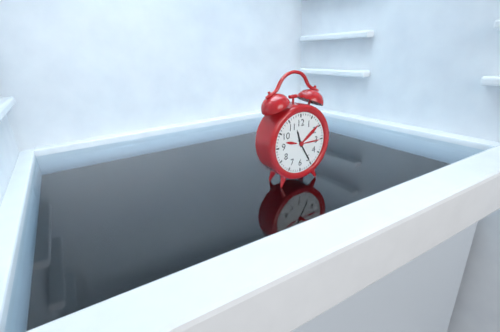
11:25
